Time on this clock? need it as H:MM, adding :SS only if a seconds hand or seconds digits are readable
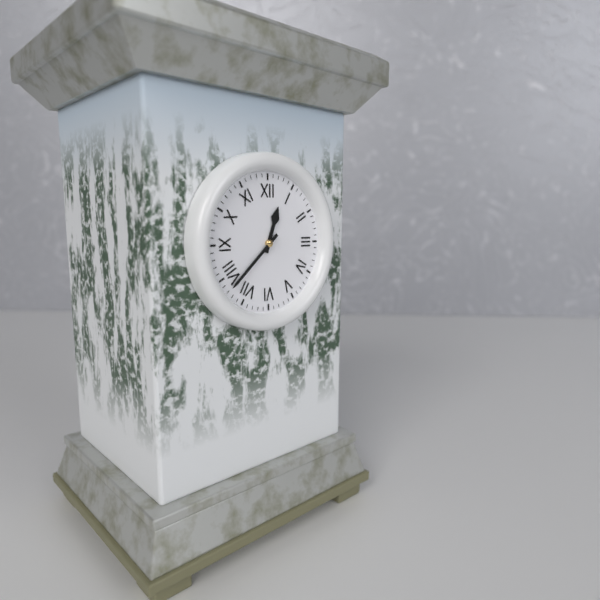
12:38
